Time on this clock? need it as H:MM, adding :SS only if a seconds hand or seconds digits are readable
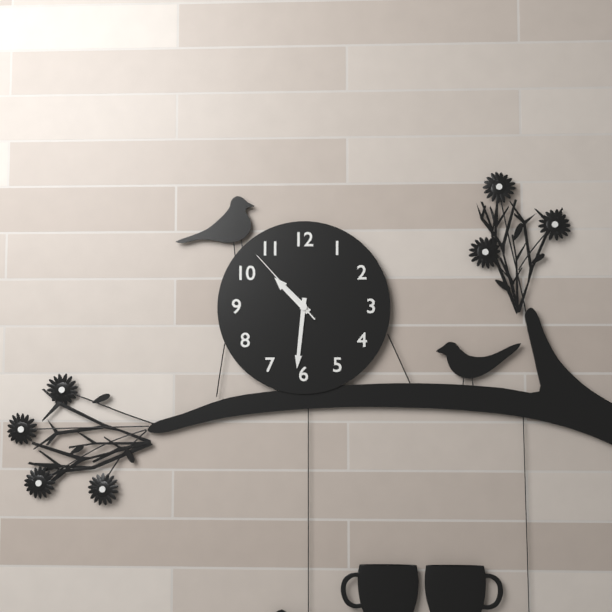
10:31:53
